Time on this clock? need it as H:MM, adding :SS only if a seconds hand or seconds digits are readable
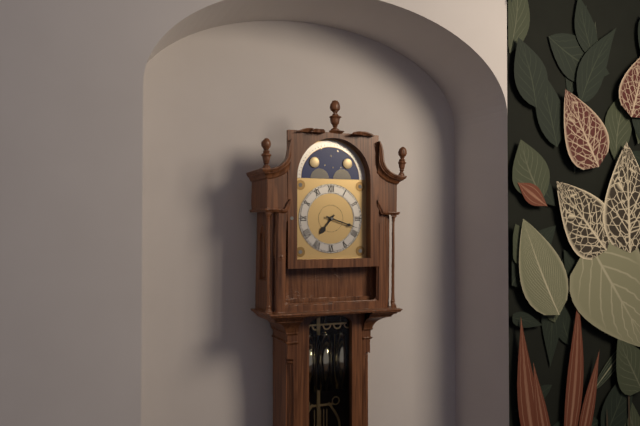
7:18
